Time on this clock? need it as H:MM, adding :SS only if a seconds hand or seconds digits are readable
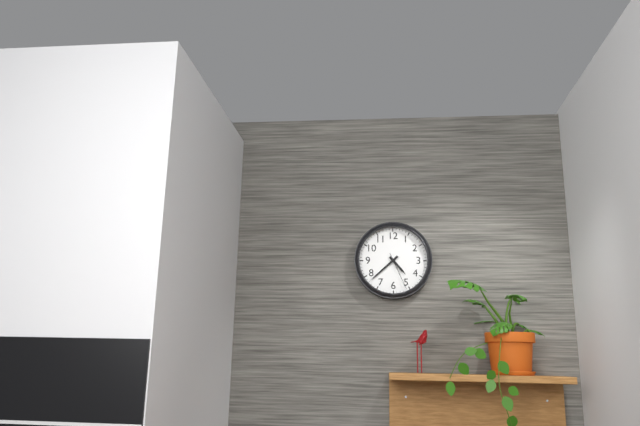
4:38
